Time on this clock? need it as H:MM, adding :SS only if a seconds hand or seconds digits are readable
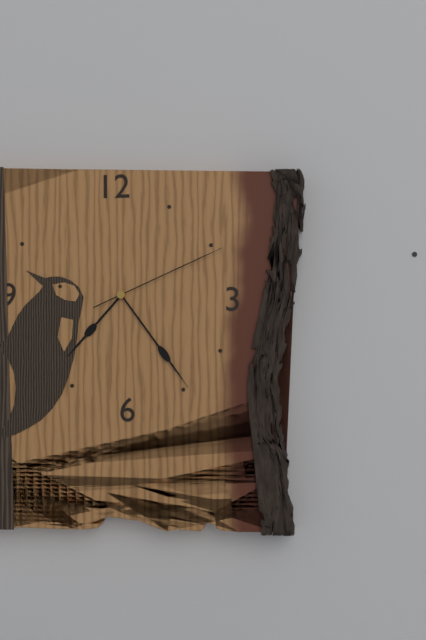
7:24:11
